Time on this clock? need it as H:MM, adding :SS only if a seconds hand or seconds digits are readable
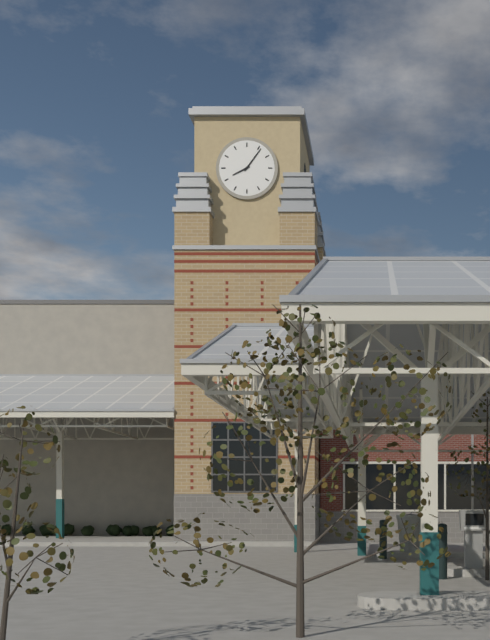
8:06
